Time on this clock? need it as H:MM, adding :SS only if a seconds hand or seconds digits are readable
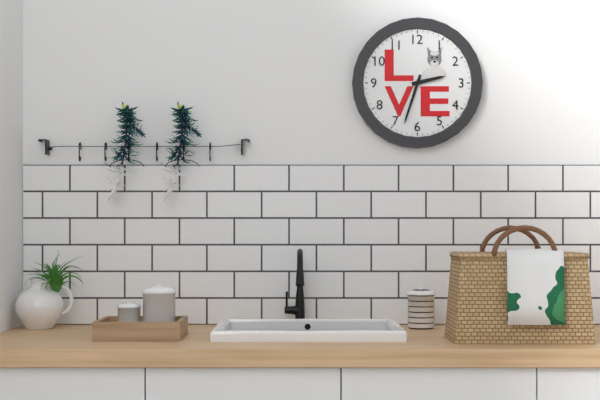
2:33
